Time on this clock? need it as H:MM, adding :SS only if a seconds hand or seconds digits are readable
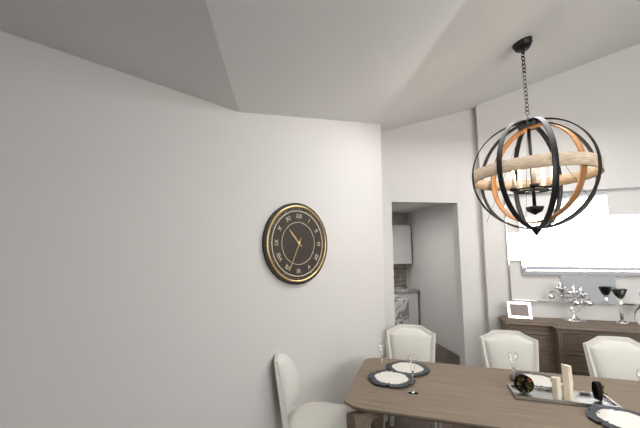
10:34
